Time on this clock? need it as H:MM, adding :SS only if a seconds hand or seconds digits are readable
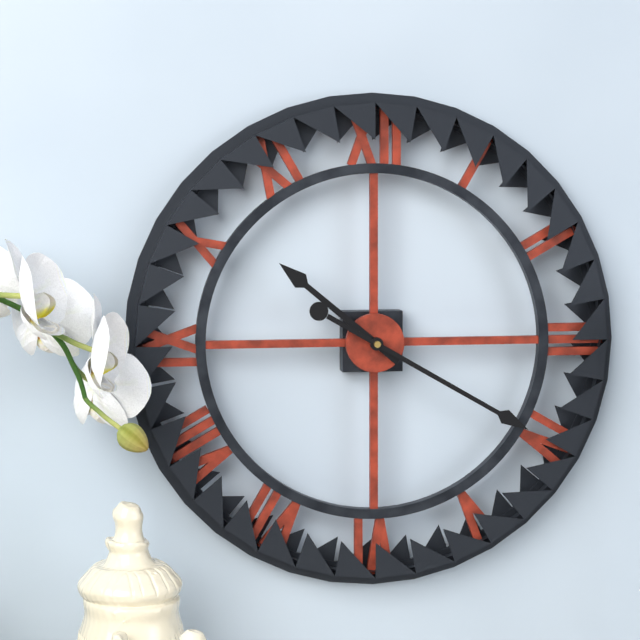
10:20
